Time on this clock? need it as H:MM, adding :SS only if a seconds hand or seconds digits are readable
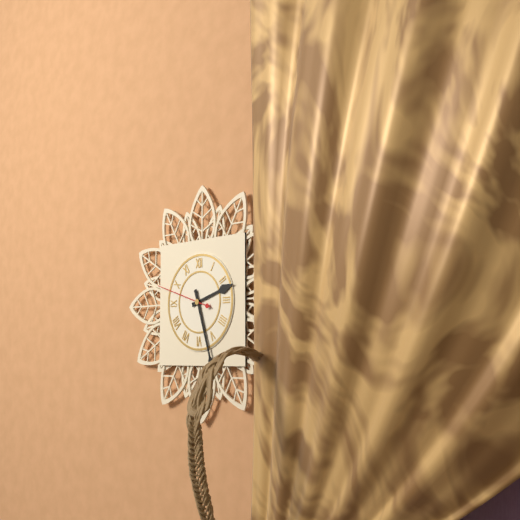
2:27:48
